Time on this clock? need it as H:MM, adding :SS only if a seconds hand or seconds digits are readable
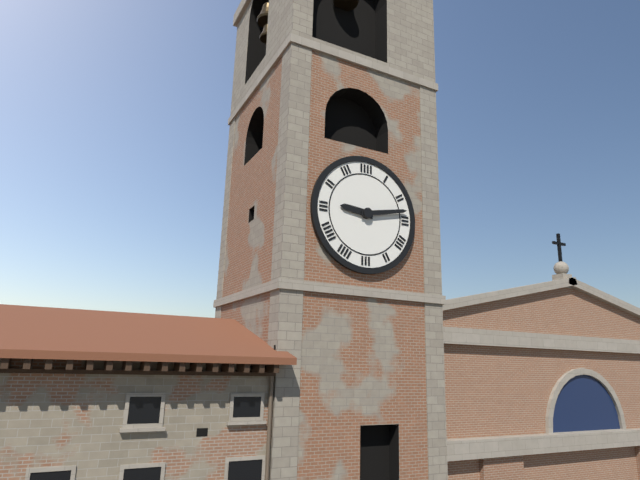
9:13
